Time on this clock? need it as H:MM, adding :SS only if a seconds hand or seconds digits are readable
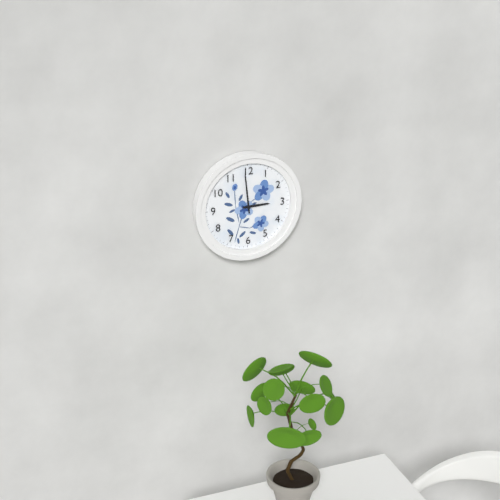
2:59
